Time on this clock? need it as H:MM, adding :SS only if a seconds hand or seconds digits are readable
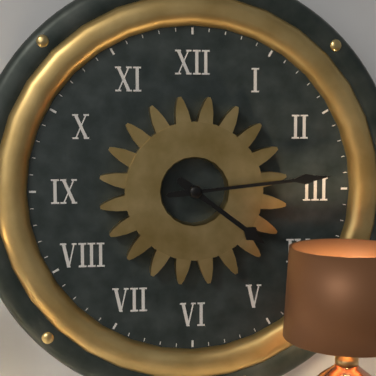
4:14
